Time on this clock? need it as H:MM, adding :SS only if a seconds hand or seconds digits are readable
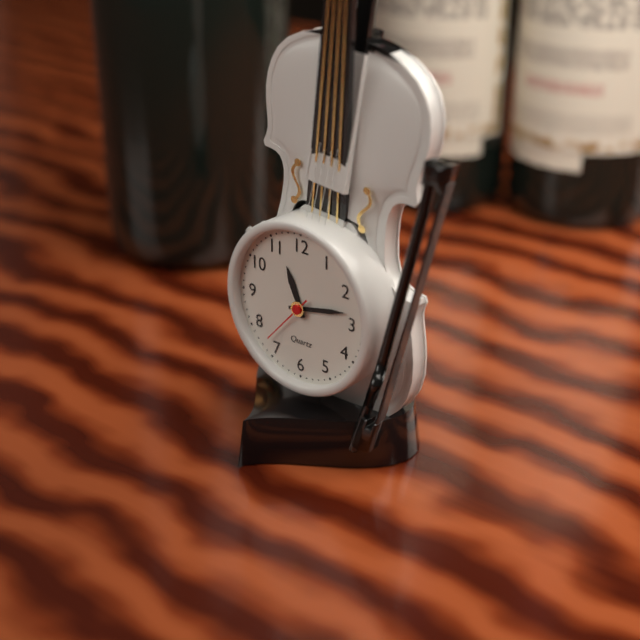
11:13:37
